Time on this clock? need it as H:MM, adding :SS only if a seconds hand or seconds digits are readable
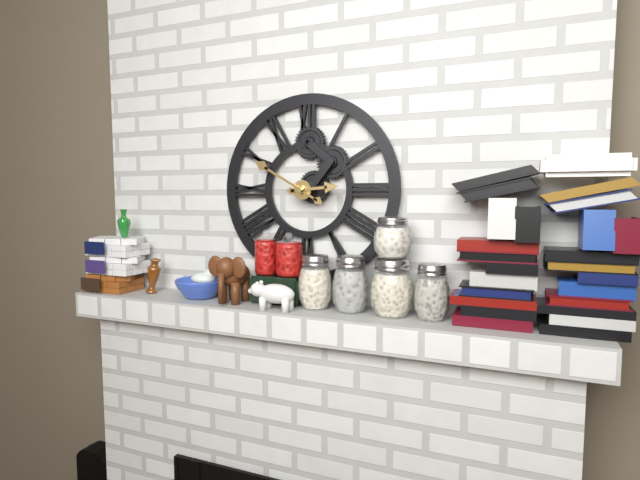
2:50
